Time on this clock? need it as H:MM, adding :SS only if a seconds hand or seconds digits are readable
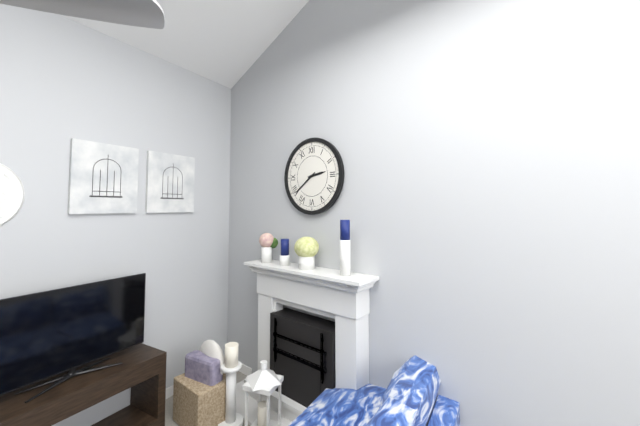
2:39
